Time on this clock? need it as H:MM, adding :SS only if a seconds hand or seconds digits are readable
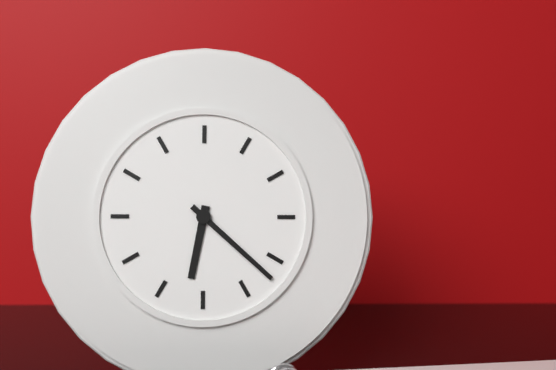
6:22
